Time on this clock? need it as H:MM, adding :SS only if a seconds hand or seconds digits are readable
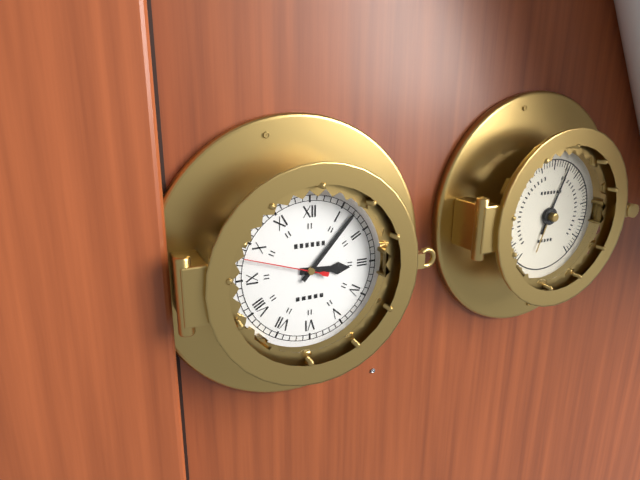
3:07:48
